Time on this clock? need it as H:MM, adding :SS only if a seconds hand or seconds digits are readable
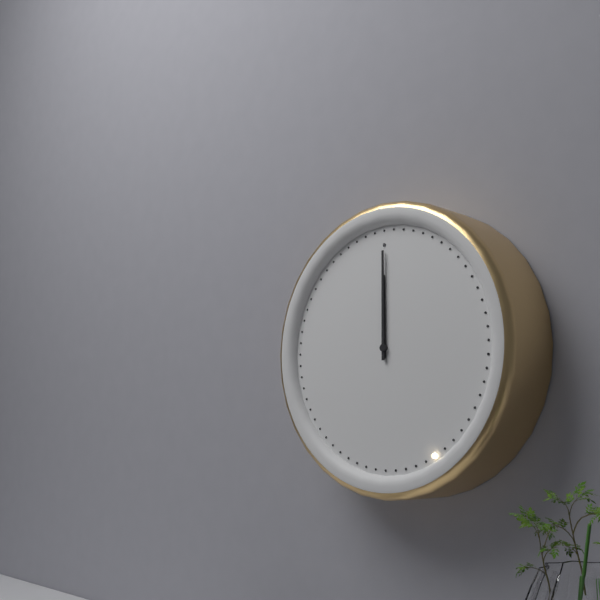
12:00
